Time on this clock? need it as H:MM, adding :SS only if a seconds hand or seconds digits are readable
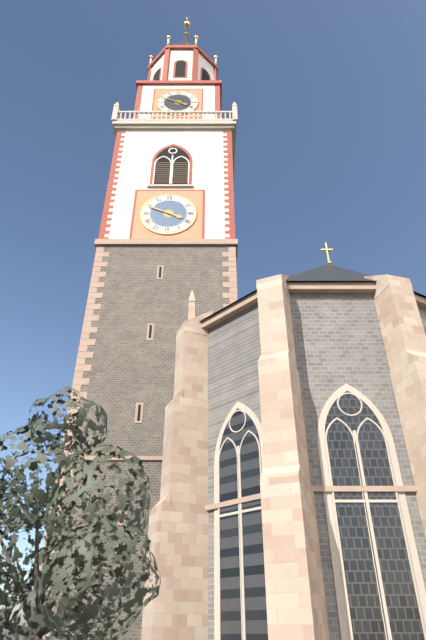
3:49
